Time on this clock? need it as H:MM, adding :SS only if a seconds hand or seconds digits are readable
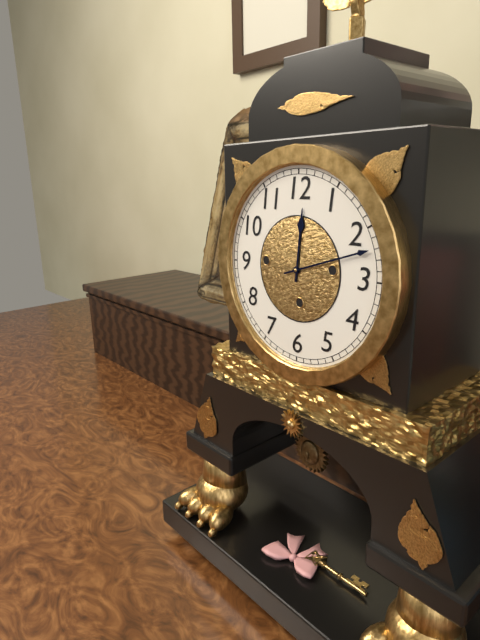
12:12
